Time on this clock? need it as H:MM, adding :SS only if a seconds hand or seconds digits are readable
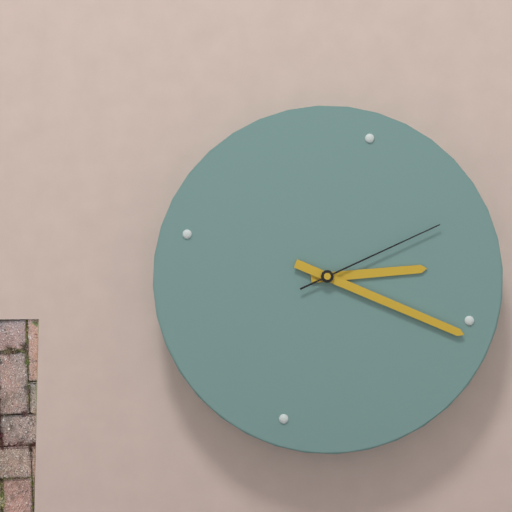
2:16:08
